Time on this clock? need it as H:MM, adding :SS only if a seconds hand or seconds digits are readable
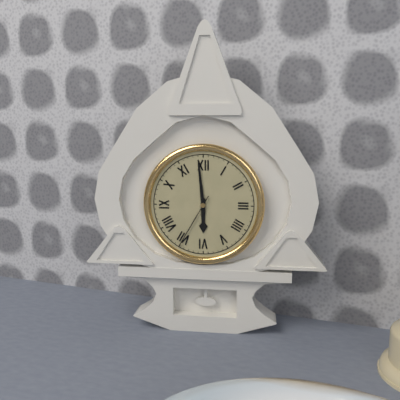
5:59:35
